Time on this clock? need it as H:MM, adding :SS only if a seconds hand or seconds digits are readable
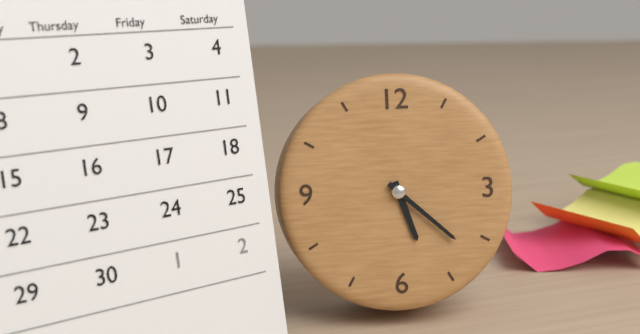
5:22
